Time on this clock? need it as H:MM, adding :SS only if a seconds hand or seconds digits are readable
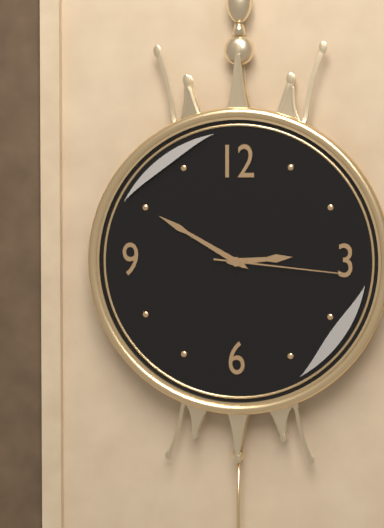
2:50:16
